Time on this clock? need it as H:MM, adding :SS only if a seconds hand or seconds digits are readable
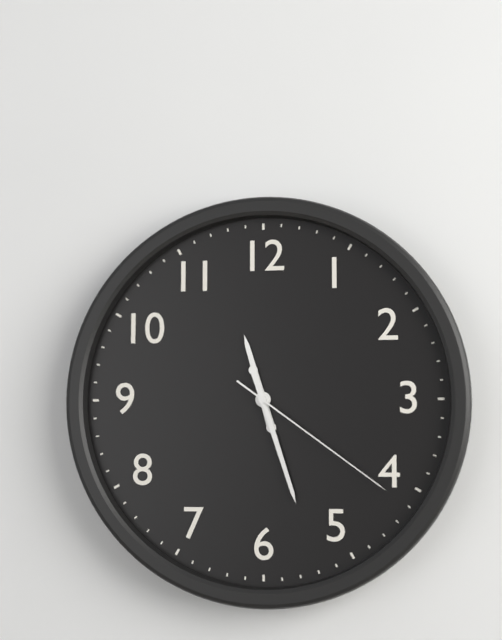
11:27:21
